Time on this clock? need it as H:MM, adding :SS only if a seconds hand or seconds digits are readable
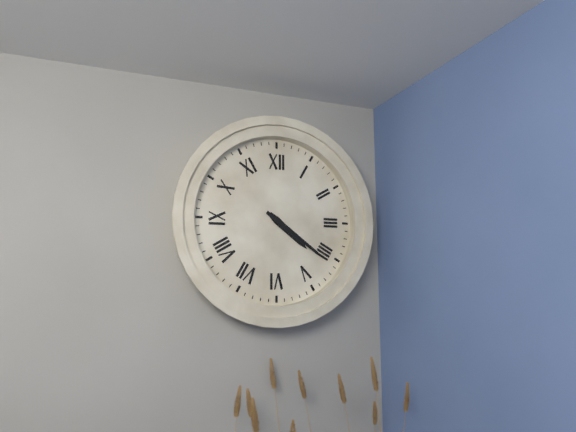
4:21
